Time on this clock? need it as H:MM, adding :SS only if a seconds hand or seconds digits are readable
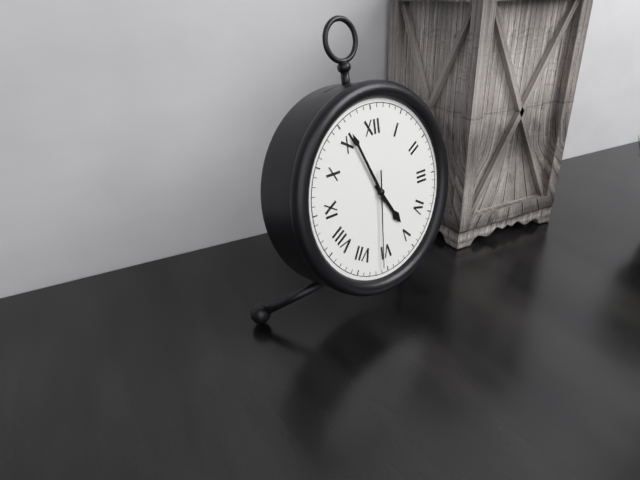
4:56:31
